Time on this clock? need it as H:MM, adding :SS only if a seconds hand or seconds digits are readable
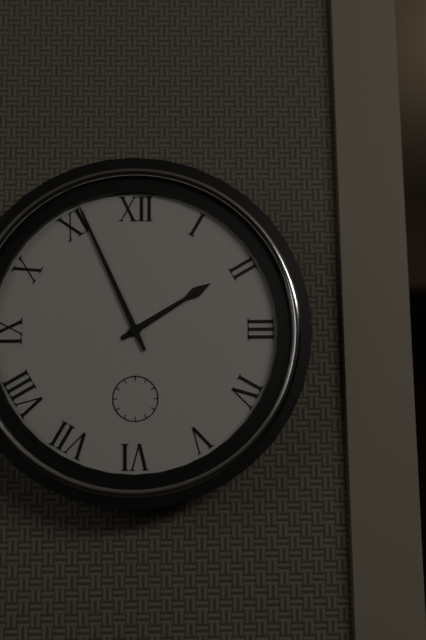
1:56
